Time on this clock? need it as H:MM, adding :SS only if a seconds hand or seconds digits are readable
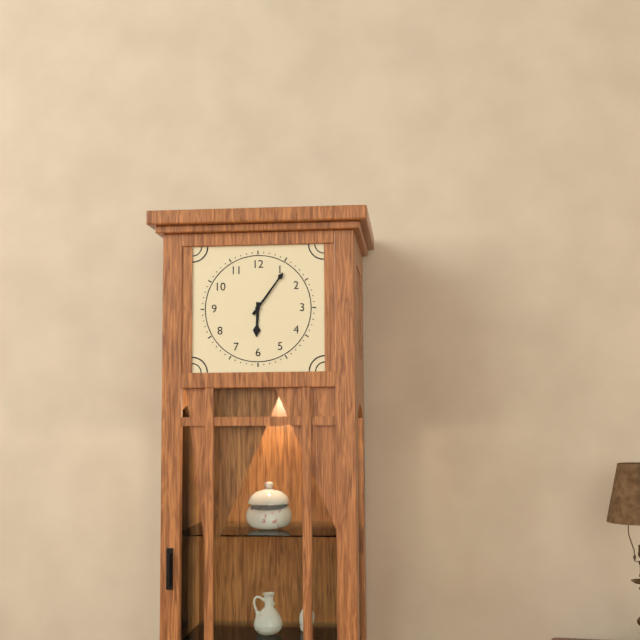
6:06
